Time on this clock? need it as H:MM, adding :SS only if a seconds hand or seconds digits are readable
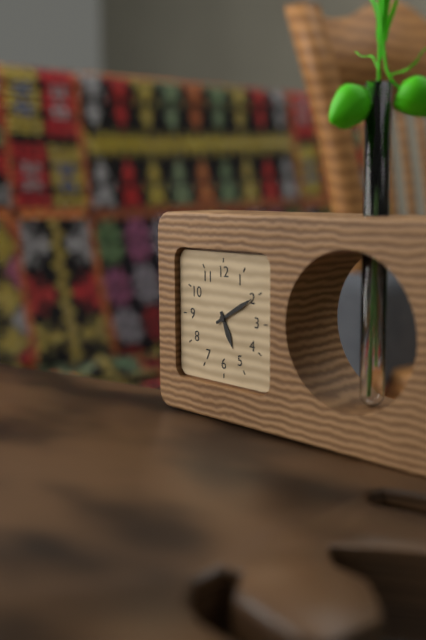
5:10
